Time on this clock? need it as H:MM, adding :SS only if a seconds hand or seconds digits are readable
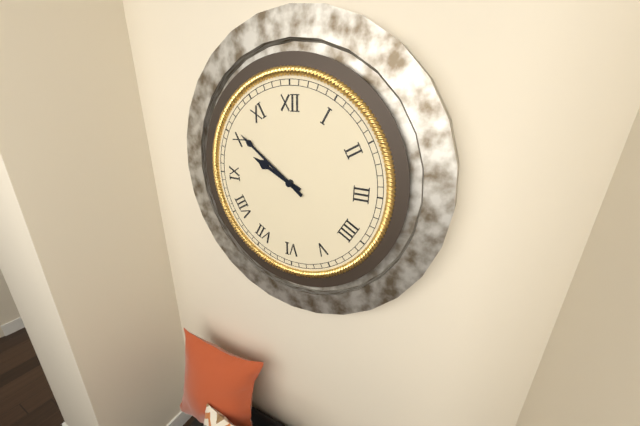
9:51
